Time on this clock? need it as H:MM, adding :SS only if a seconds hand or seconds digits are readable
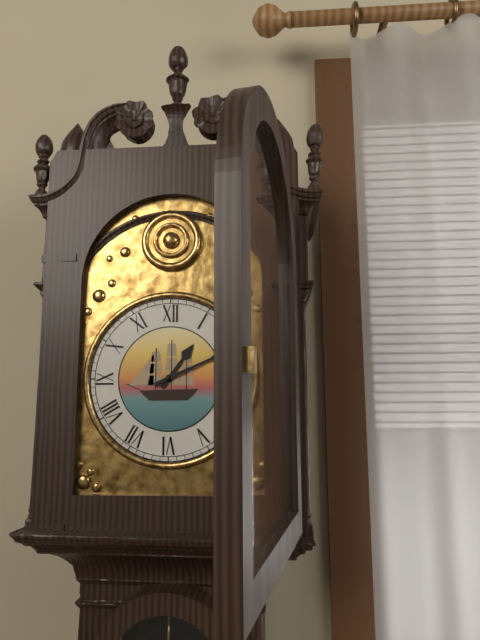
1:11
